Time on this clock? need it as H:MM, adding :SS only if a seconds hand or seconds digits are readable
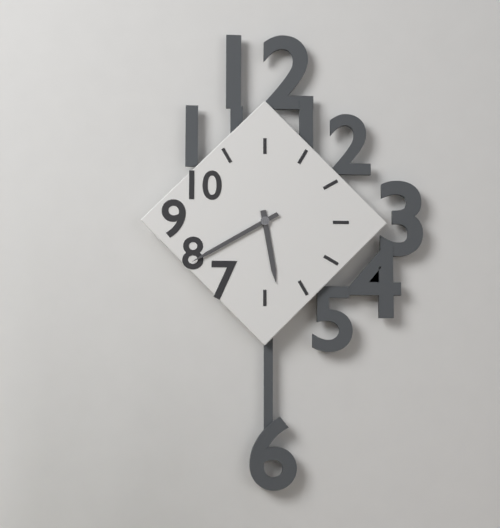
5:40
